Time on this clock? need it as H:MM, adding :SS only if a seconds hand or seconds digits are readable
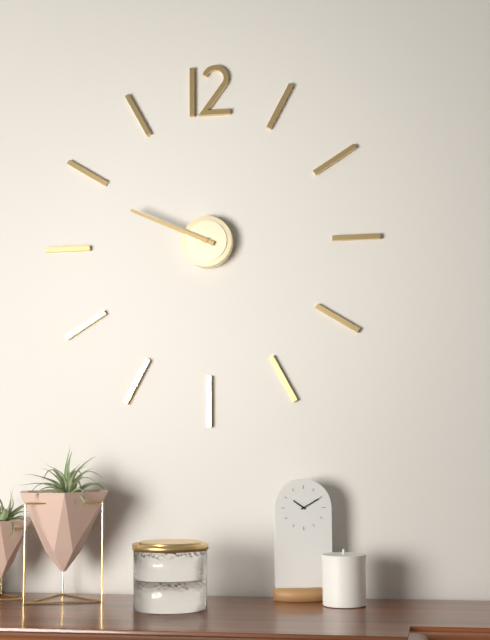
9:49
